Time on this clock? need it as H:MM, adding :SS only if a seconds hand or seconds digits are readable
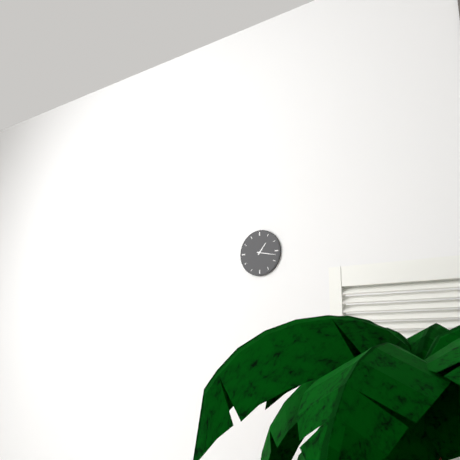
1:17
